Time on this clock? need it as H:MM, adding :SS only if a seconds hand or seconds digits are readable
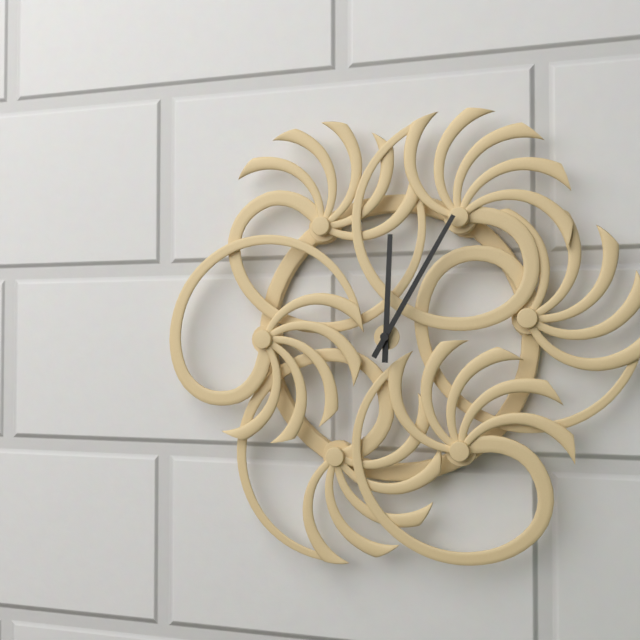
12:05
